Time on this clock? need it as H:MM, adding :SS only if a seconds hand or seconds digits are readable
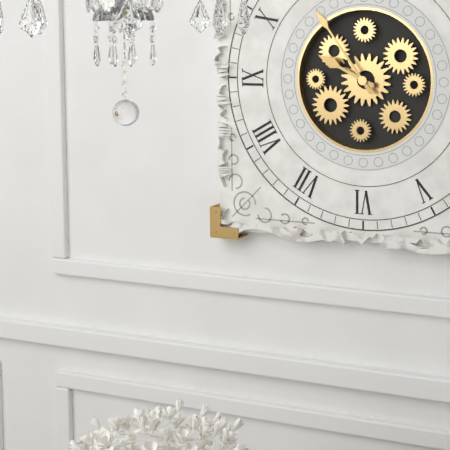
9:54
